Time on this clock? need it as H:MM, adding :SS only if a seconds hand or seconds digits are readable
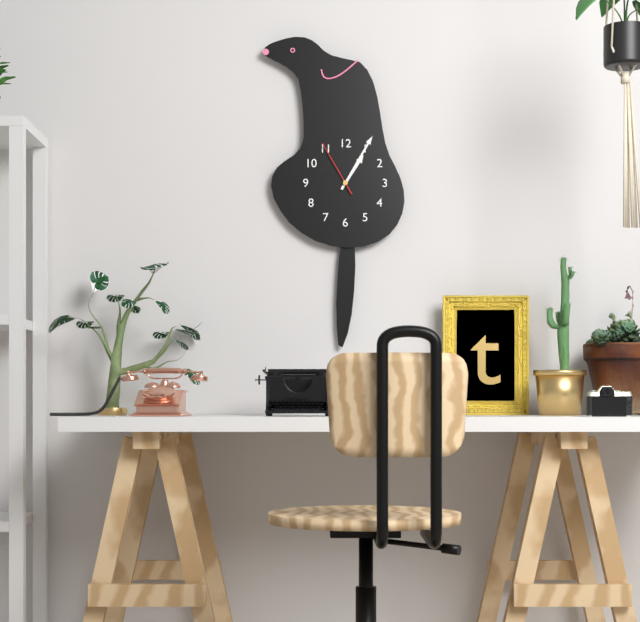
1:05:55
